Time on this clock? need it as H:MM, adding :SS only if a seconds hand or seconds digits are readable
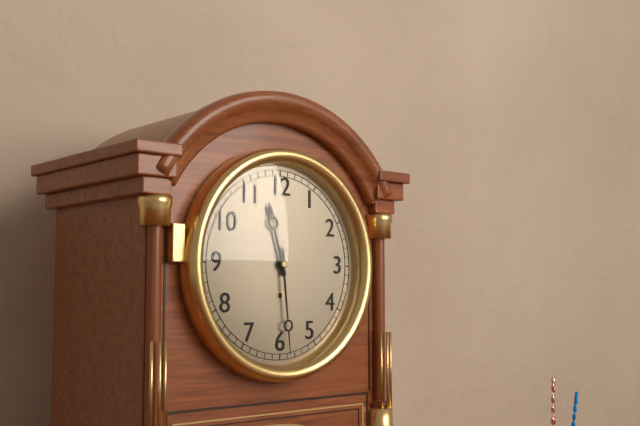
11:29
